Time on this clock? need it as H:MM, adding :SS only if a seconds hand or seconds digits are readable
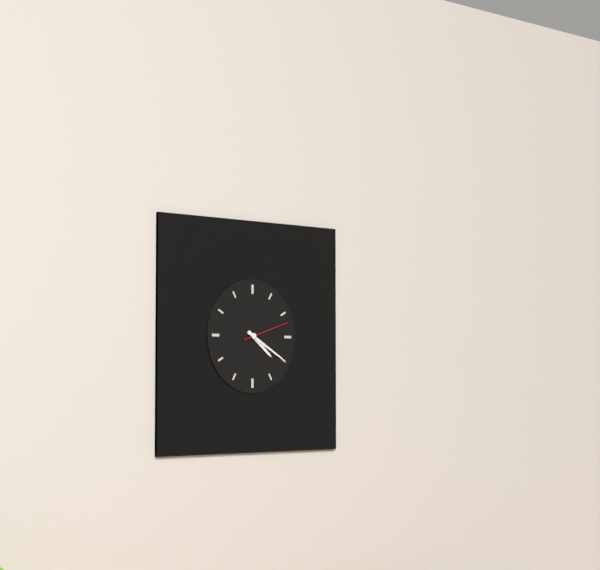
4:20
